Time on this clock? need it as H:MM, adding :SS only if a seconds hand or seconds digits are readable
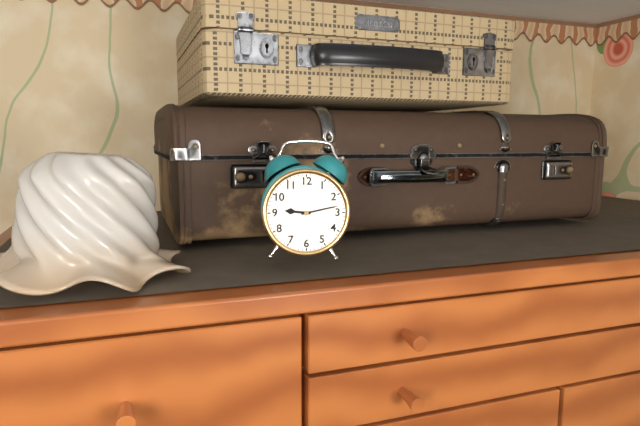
9:13
